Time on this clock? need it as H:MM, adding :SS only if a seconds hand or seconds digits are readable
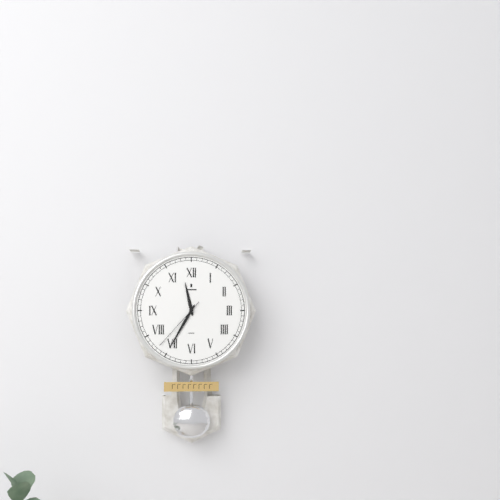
11:35:37
